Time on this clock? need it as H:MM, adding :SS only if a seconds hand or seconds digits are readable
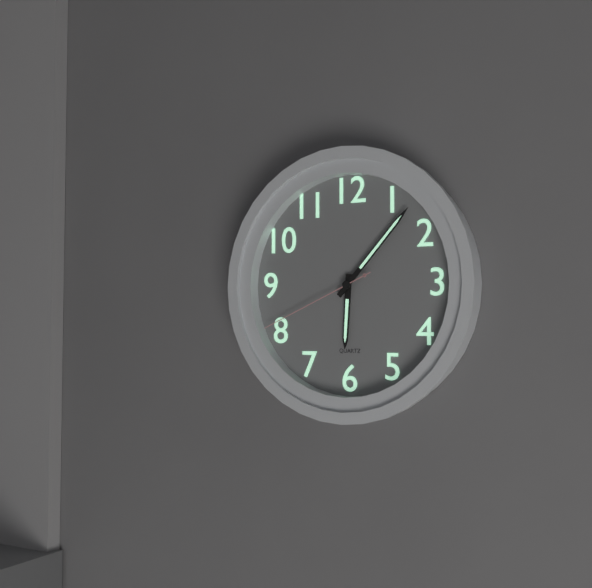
6:07:41
